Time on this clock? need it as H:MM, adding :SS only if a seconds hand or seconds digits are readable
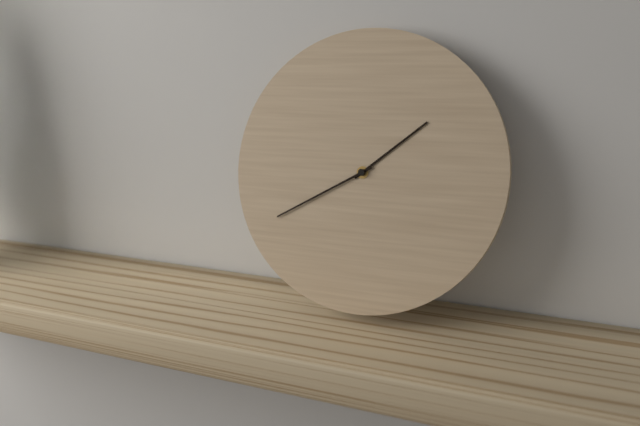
1:40
